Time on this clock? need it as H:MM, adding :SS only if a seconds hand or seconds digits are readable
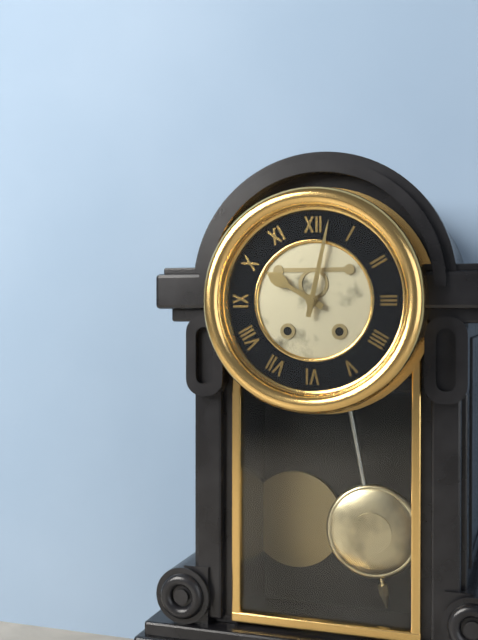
10:02
